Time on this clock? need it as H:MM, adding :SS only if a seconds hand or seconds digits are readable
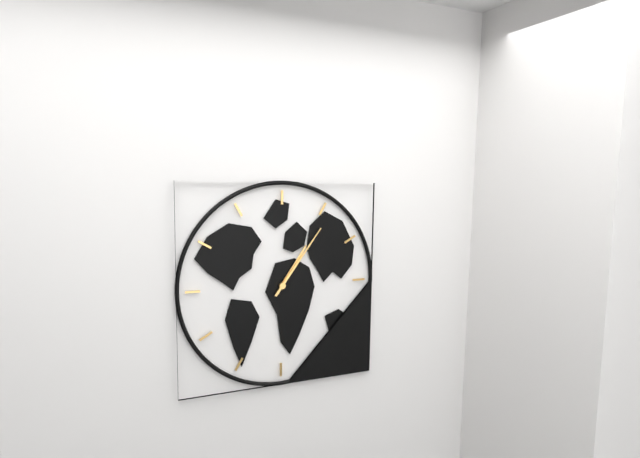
1:06
